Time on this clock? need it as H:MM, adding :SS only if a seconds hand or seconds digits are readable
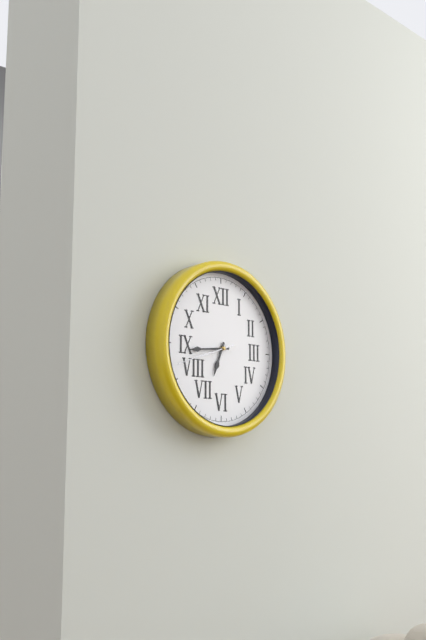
6:44
